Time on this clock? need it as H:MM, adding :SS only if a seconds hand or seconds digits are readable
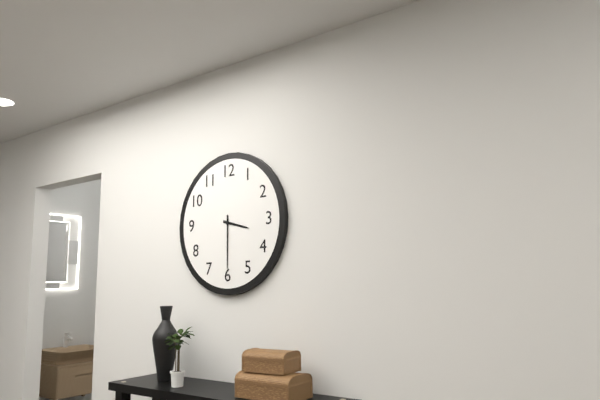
3:30
